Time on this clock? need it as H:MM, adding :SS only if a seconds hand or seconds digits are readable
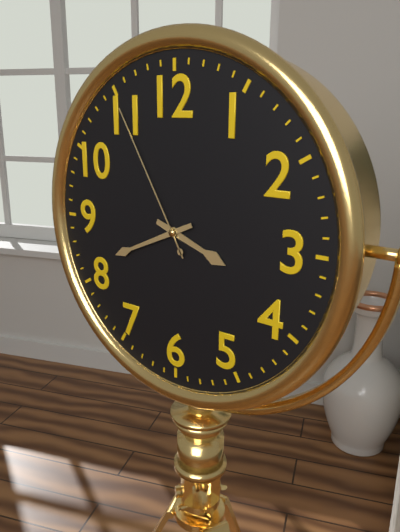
3:41:55
